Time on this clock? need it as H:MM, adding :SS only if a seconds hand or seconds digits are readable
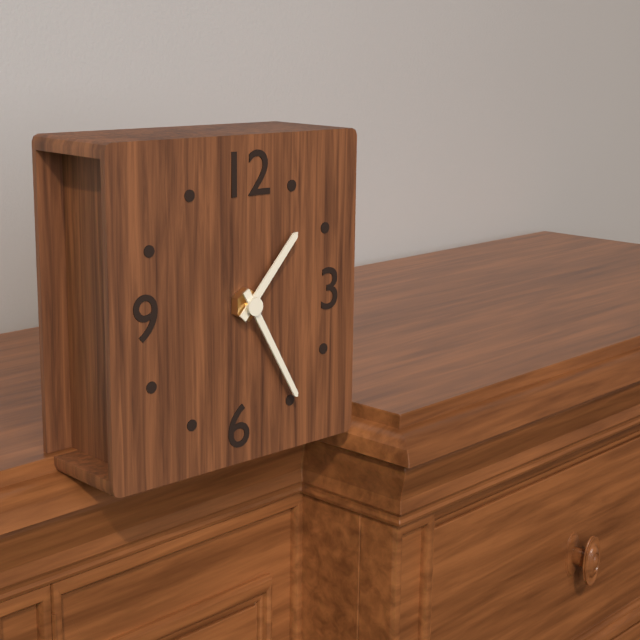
1:25
